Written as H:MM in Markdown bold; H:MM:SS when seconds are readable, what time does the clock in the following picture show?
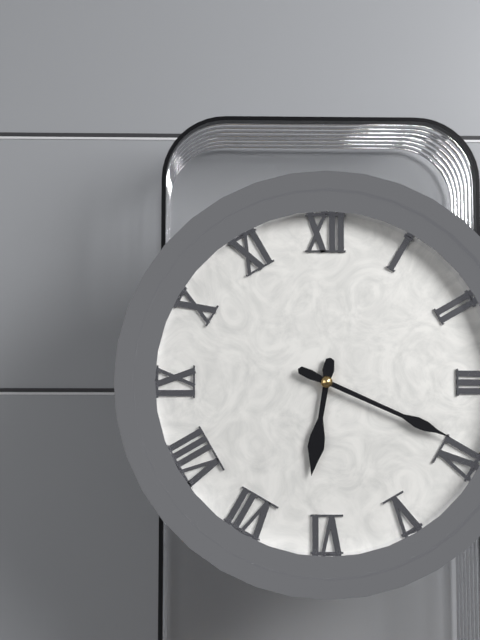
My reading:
**6:19**
